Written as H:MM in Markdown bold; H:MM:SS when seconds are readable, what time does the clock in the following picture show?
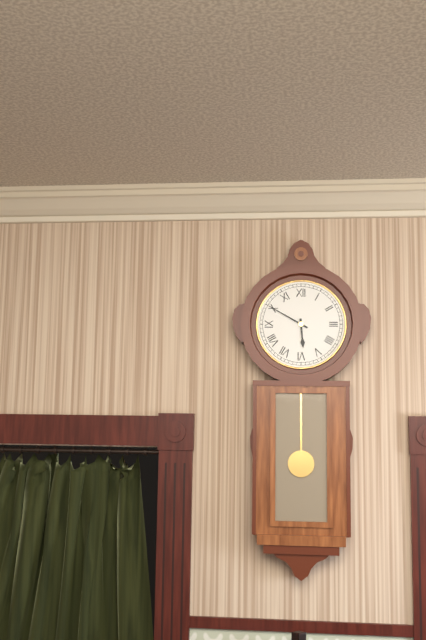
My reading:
**5:50**
